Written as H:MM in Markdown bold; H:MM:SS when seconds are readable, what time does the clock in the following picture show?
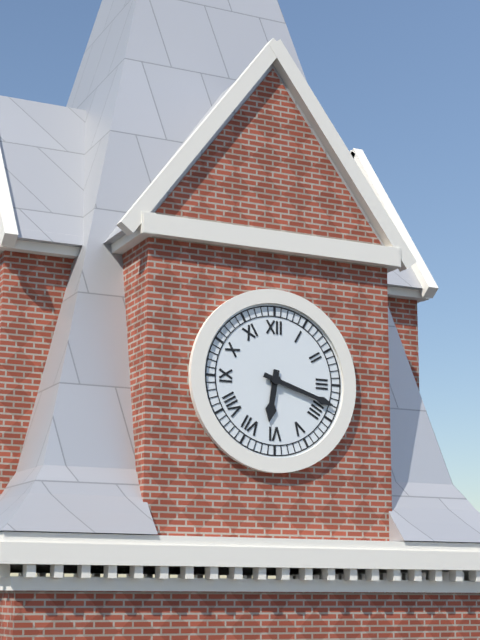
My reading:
**6:18**
